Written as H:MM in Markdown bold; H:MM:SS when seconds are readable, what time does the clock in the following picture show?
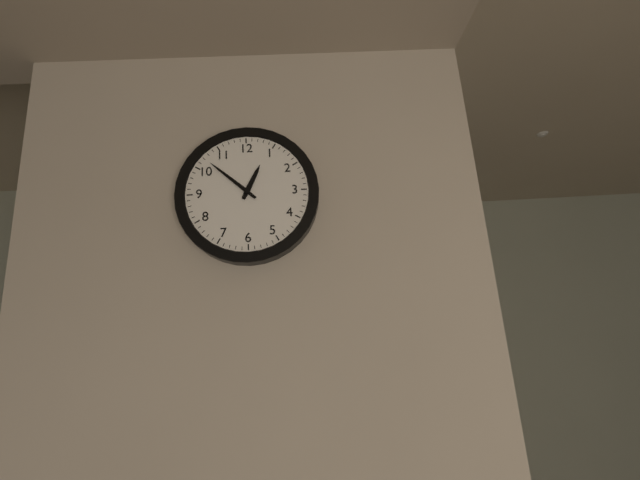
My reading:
**12:52**
